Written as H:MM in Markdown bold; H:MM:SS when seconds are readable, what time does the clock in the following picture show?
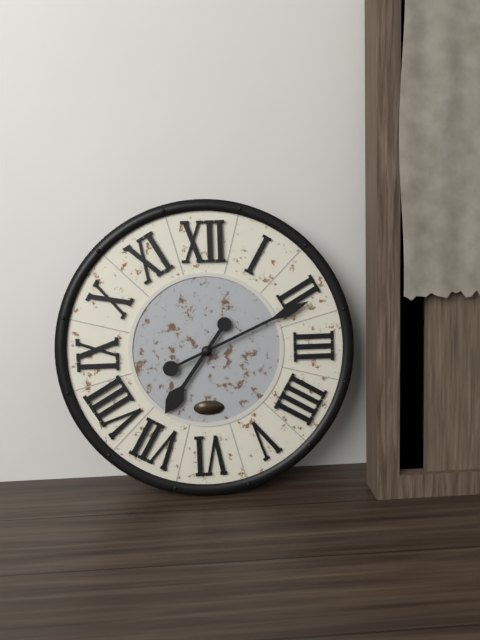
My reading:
**7:11**
